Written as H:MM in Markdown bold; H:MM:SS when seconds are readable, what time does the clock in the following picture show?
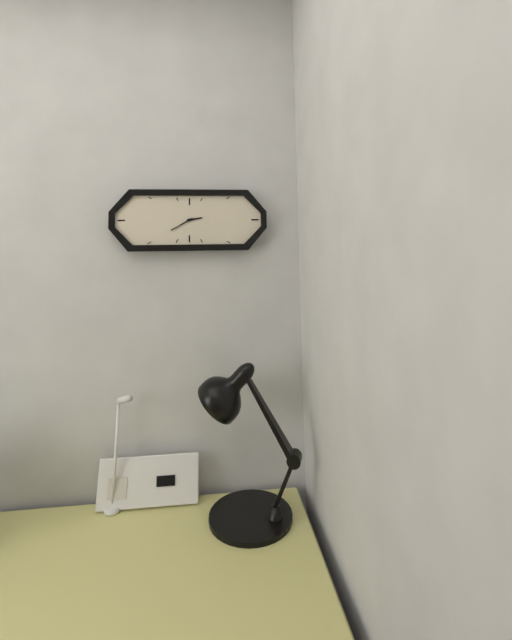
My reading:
**2:40**
